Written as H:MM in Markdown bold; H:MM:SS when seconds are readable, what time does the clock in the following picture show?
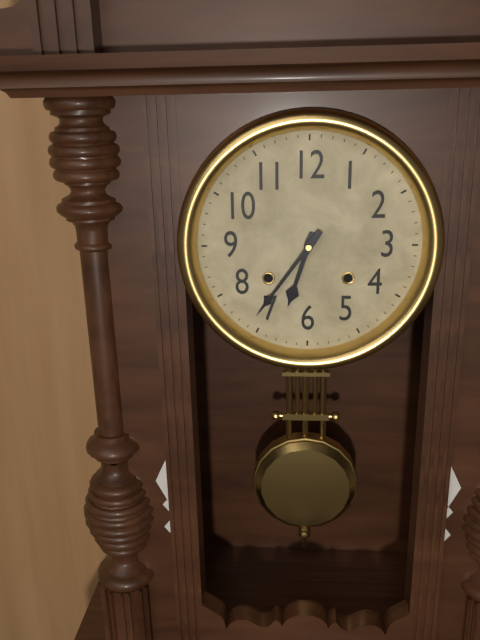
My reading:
**6:36**
